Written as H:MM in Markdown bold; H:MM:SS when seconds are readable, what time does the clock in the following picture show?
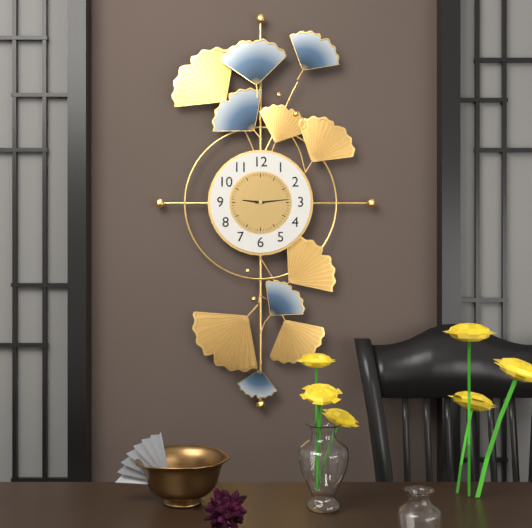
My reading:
**9:14**
